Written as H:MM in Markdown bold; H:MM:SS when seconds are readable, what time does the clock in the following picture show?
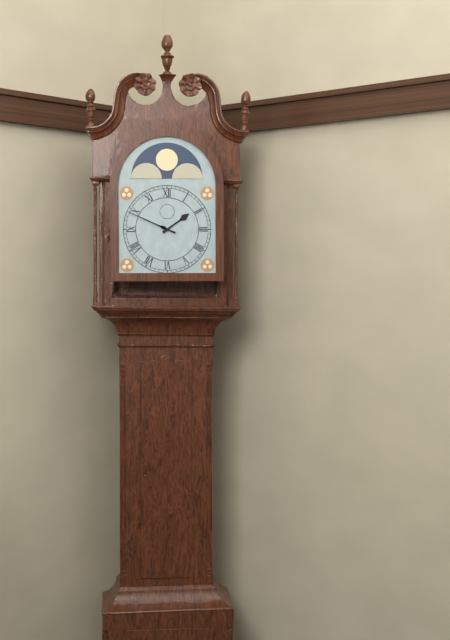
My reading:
**1:49**
